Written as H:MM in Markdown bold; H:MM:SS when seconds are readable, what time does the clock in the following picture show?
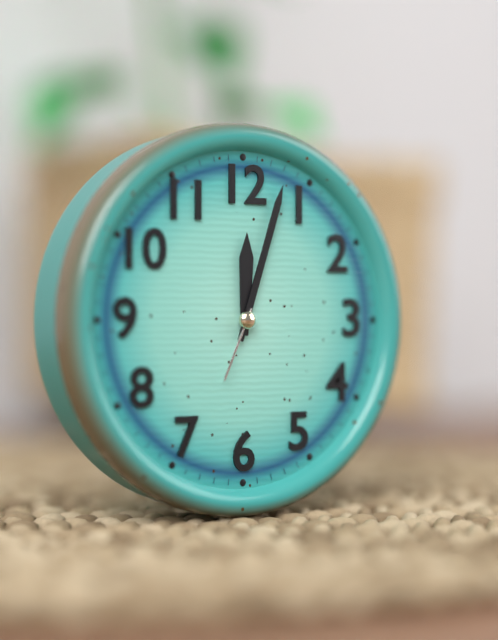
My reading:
**12:03:34**
